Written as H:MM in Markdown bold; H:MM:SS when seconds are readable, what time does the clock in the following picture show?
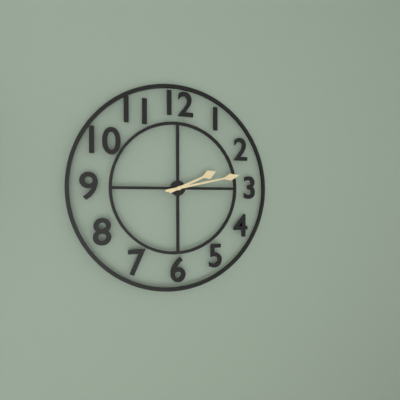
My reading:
**2:13**
